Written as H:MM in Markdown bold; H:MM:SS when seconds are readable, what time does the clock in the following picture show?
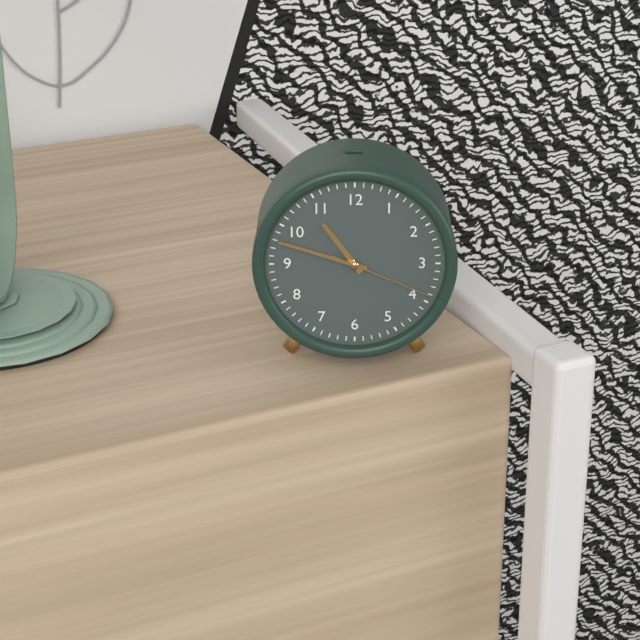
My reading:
**10:48:19**
